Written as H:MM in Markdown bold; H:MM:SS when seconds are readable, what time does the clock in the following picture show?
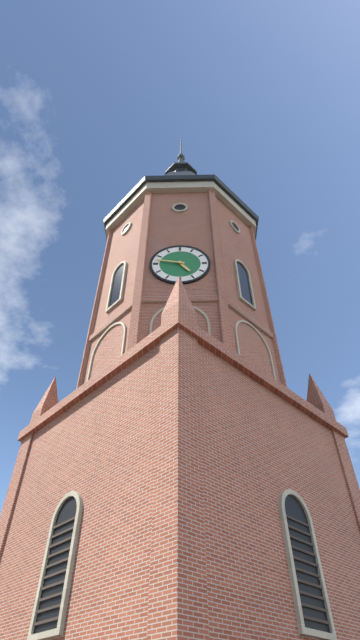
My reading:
**4:47**
